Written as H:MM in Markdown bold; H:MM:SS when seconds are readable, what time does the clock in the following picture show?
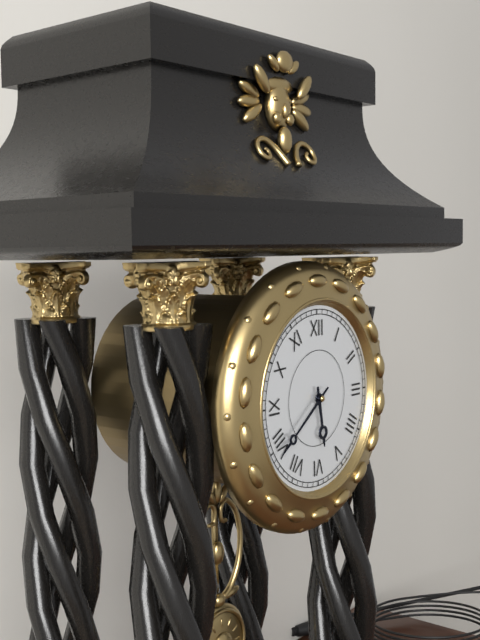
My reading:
**5:39**
